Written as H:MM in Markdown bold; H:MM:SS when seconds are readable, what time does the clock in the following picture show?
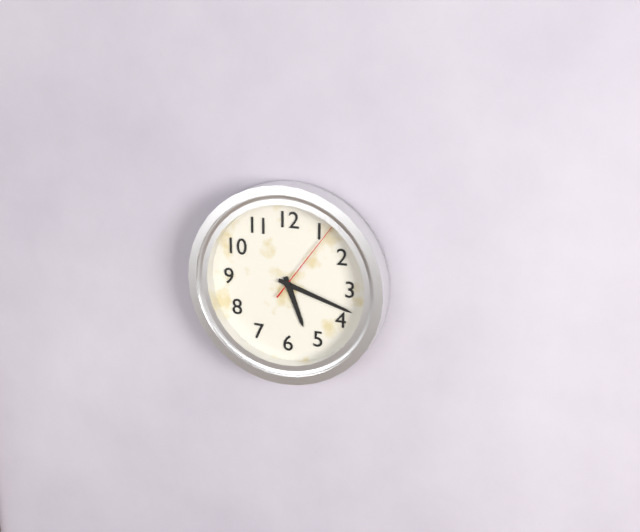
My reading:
**5:18:06**
